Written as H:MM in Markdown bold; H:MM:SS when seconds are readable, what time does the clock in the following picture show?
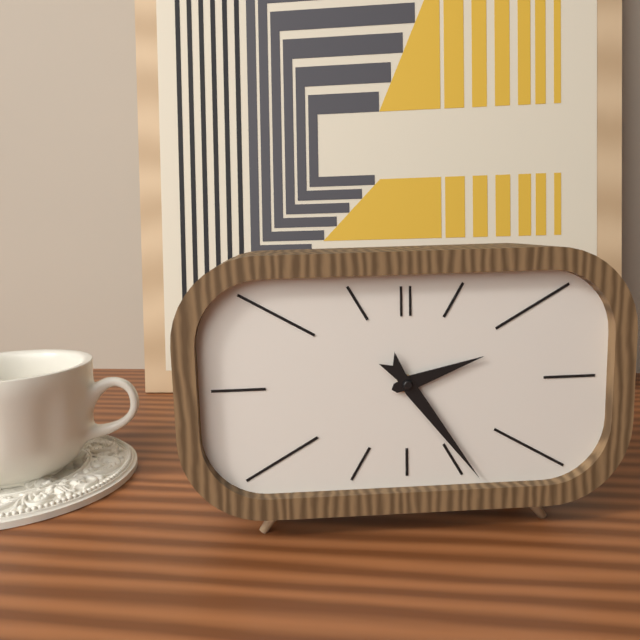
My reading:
**2:24**
